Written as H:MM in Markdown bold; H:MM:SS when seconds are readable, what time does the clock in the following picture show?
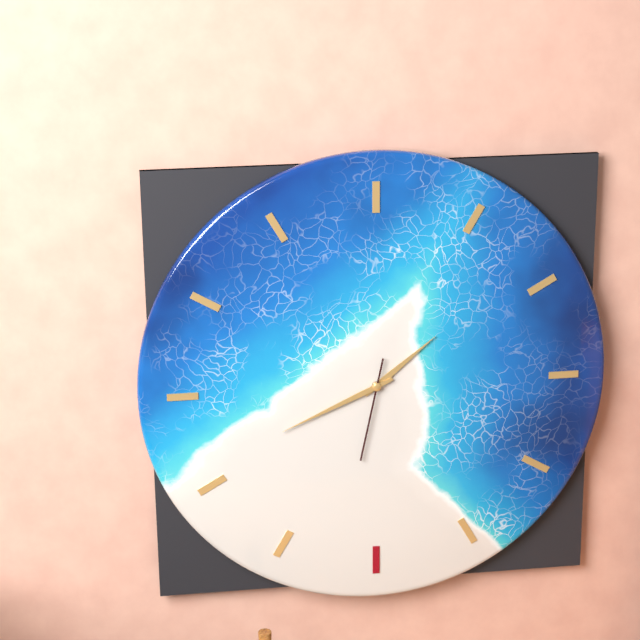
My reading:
**1:41:32**
